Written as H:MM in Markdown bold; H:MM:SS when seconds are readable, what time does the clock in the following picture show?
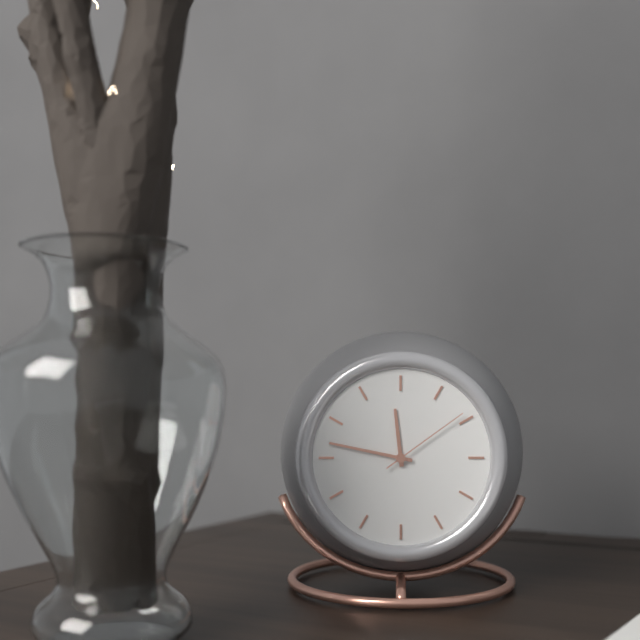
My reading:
**11:47:09**
